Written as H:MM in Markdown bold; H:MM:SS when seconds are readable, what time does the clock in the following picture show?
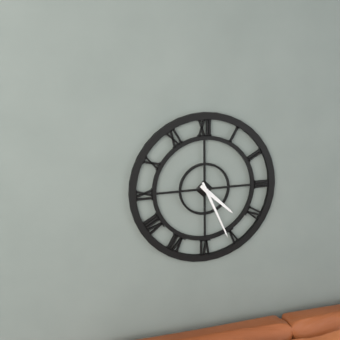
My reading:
**4:26**
